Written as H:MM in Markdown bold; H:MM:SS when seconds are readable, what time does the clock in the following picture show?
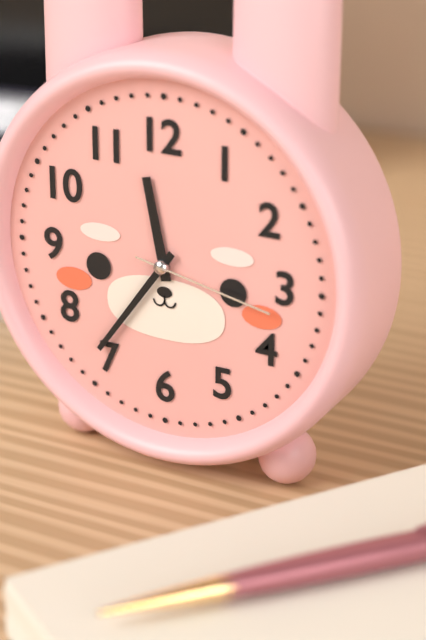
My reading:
**11:36:17**
